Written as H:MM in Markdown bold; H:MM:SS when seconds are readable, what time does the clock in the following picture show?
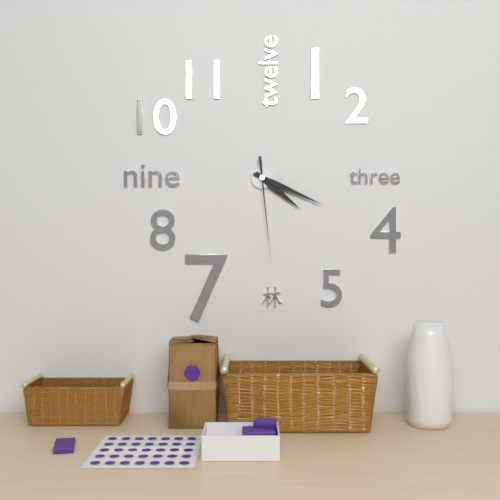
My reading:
**4:19:29**
